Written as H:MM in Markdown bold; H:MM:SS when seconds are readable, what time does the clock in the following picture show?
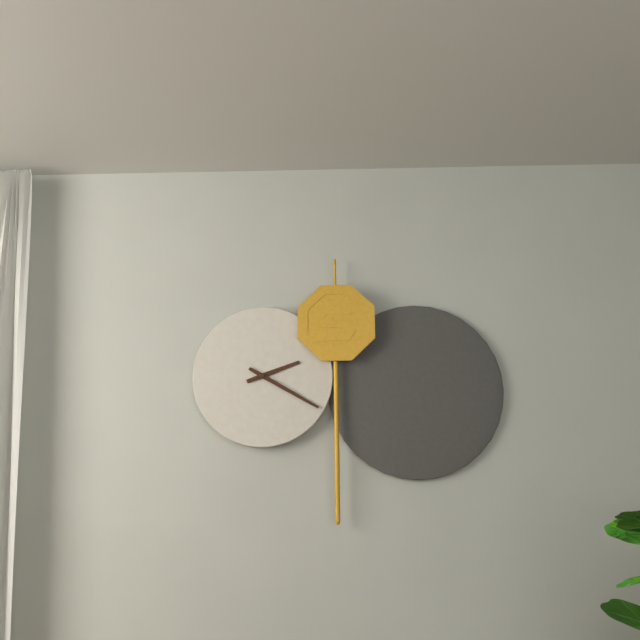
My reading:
**2:20**
